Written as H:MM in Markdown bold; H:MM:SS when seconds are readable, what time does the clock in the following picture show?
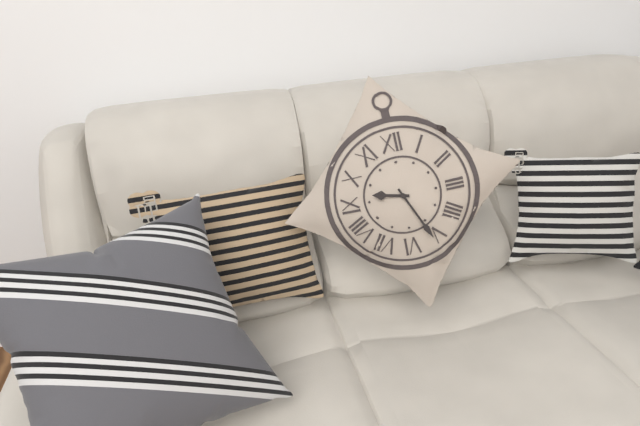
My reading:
**9:26**
